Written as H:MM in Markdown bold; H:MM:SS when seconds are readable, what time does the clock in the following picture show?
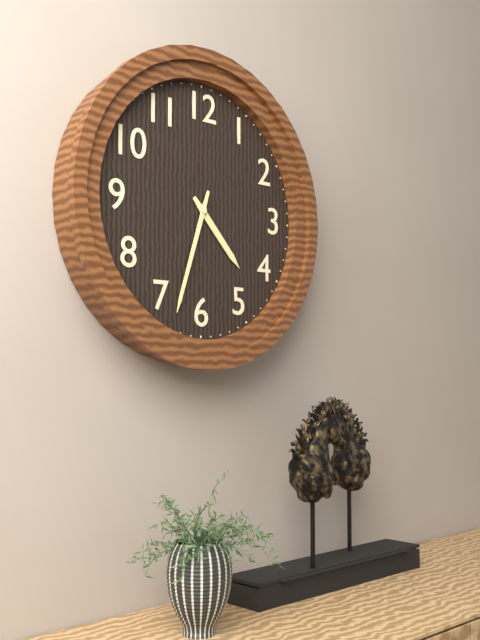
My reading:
**4:33**
